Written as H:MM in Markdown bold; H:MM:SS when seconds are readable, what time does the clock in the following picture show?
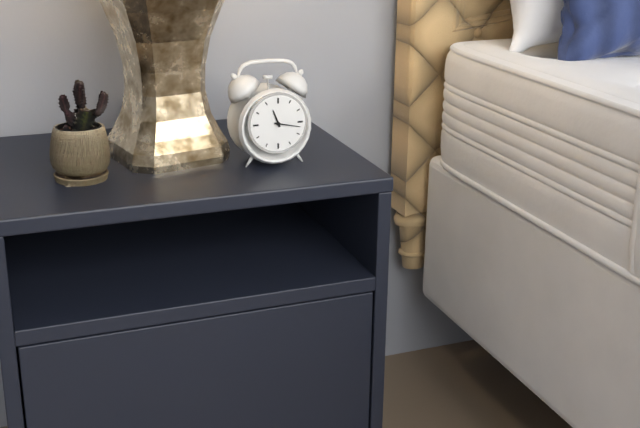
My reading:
**11:17**
